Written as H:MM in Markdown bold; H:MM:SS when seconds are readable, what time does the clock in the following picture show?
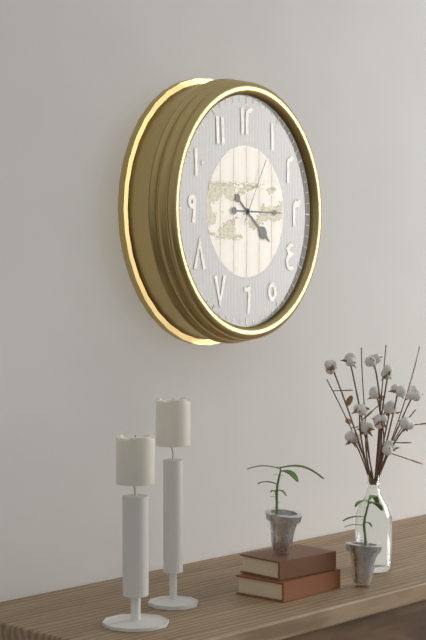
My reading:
**4:15:05**
